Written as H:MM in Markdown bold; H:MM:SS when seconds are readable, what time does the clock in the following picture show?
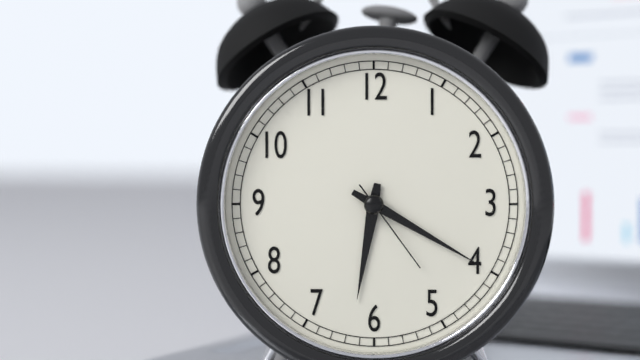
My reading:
**6:20:24**
